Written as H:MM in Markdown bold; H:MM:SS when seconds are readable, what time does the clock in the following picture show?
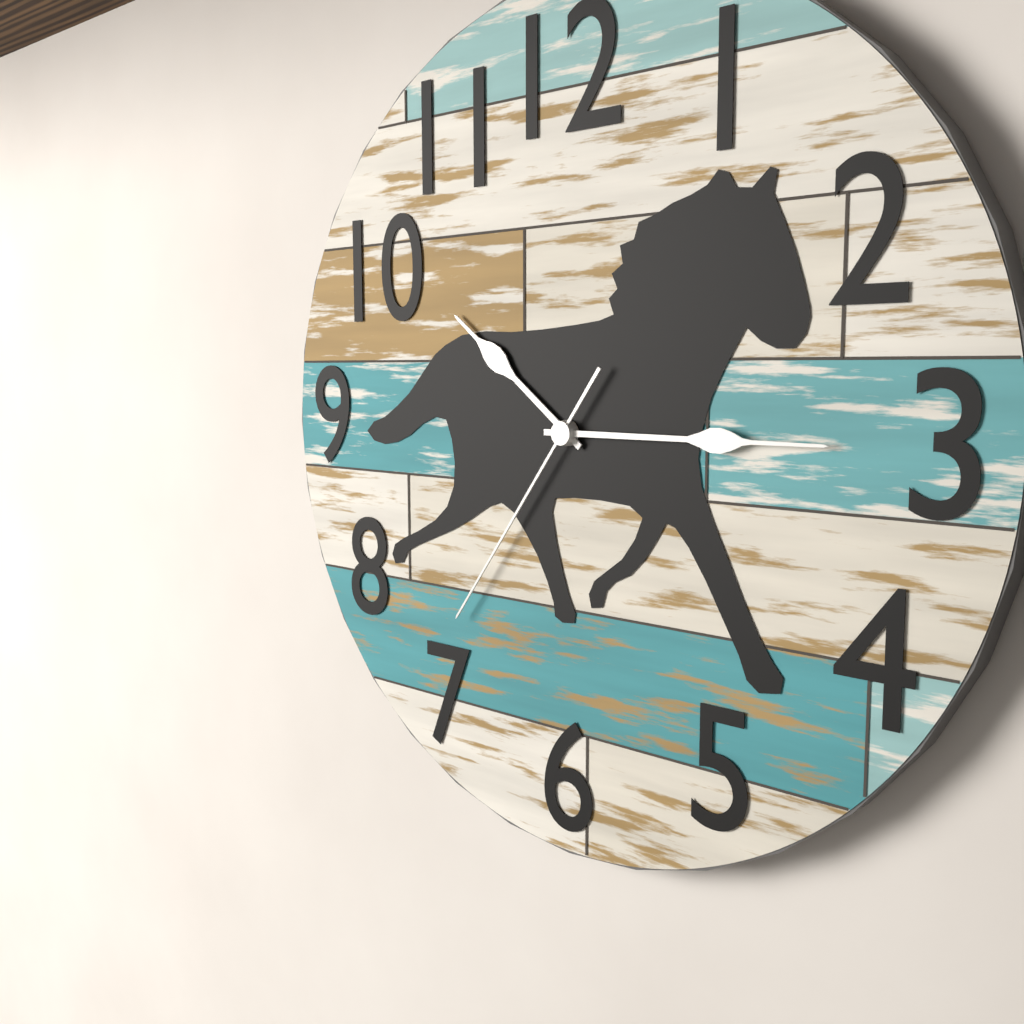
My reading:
**10:15:36**
